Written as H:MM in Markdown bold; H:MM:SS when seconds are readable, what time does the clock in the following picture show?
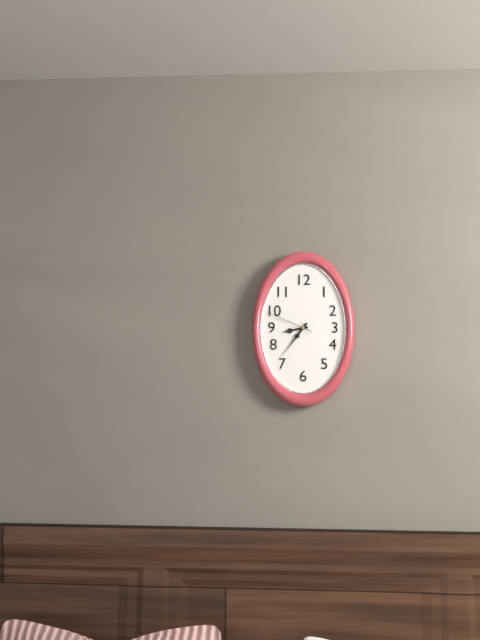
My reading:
**8:36**
